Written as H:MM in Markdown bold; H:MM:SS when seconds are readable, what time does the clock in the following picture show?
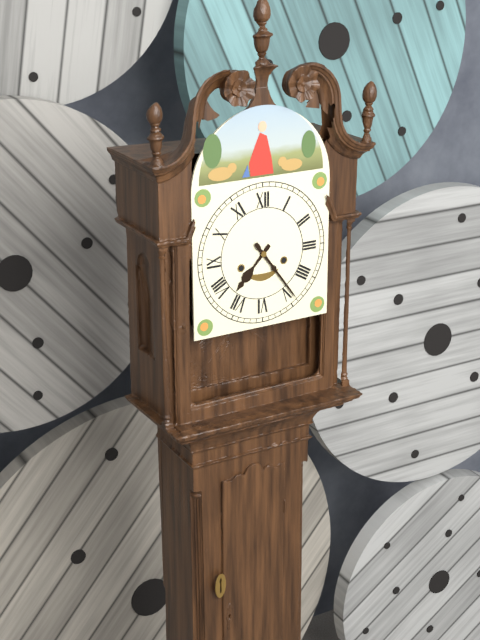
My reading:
**7:24**
